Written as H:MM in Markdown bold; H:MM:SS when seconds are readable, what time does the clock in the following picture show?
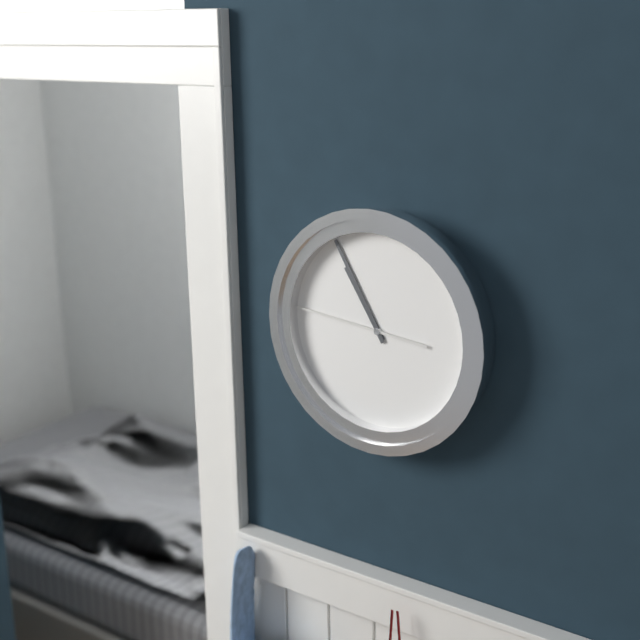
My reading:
**10:55:46**
